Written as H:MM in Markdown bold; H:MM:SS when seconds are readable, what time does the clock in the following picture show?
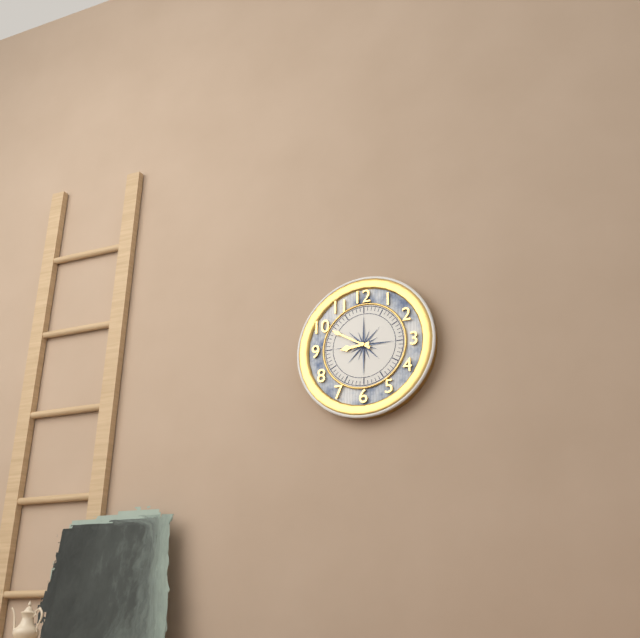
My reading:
**8:50**
